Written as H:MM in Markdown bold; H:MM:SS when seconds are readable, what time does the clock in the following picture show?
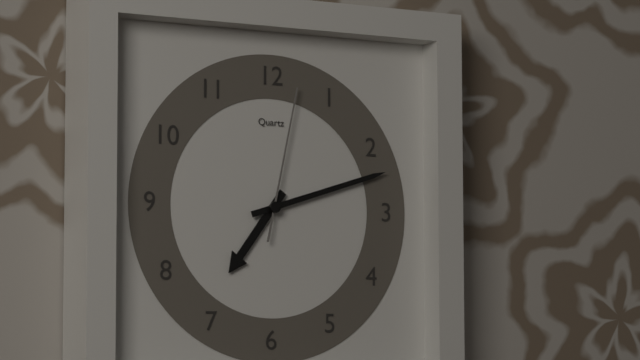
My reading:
**7:12:02**
